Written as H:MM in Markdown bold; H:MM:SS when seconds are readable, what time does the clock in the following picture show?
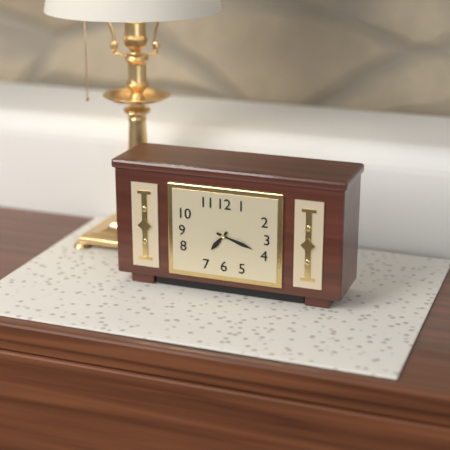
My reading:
**7:18**
